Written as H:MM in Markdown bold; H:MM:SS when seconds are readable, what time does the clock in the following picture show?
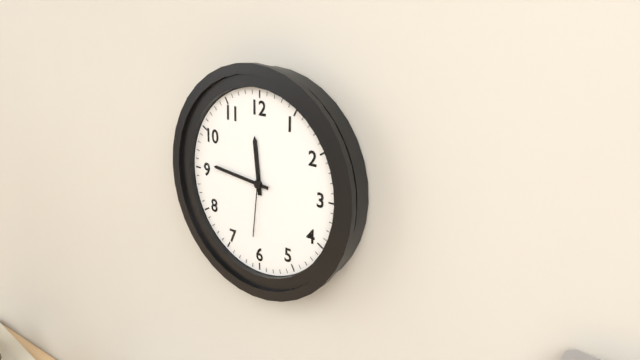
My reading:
**11:46:31**
